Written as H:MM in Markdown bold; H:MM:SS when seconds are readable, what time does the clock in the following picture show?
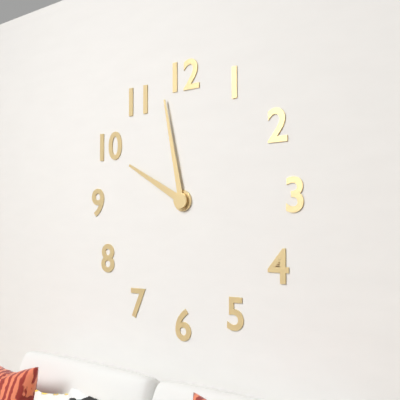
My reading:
**9:58**
